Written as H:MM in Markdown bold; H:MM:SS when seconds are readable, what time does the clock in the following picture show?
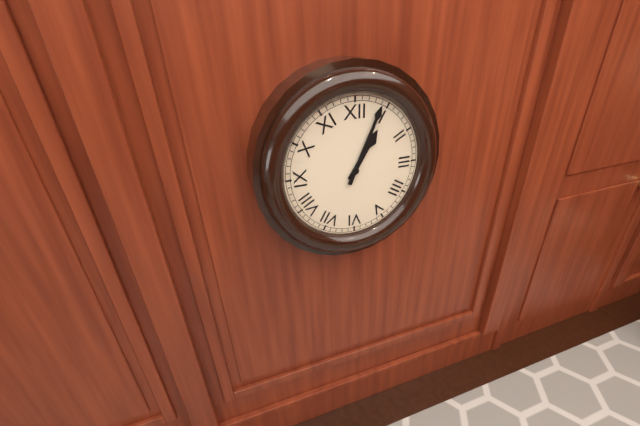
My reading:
**1:04**
